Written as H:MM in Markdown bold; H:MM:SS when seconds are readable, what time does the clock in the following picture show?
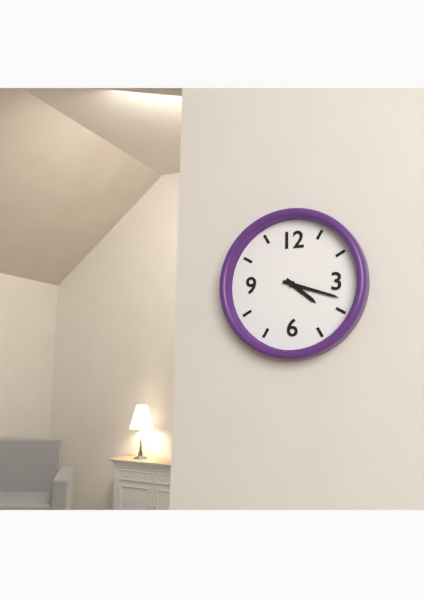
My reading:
**4:18**
